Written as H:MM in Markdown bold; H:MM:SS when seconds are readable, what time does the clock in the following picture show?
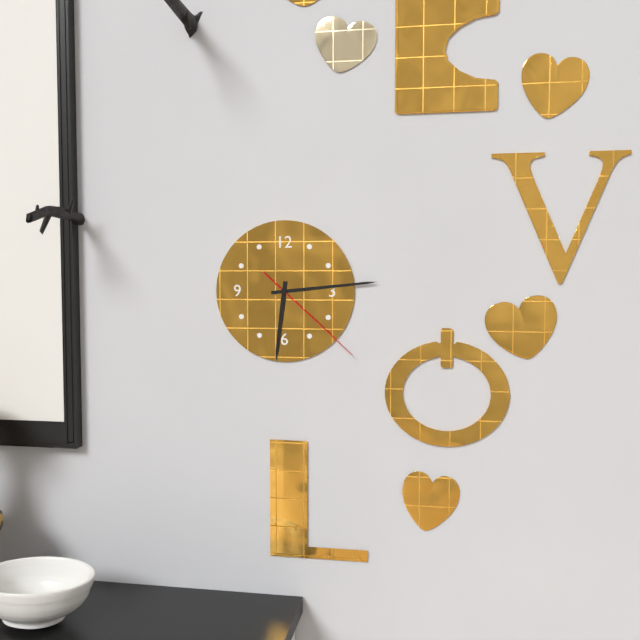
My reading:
**6:14:22**
